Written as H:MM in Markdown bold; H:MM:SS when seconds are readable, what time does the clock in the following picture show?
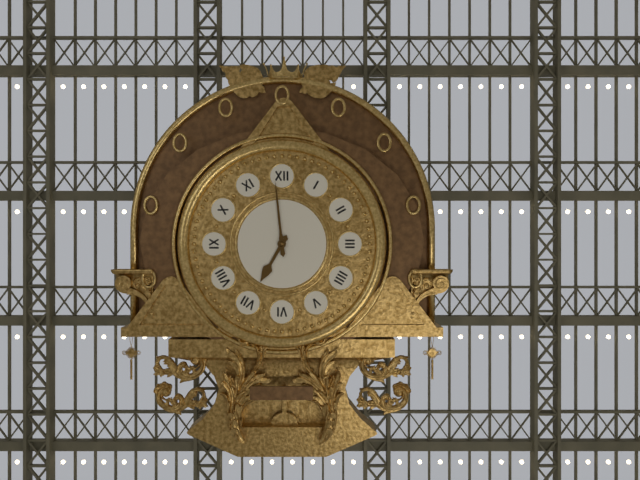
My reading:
**6:59**
